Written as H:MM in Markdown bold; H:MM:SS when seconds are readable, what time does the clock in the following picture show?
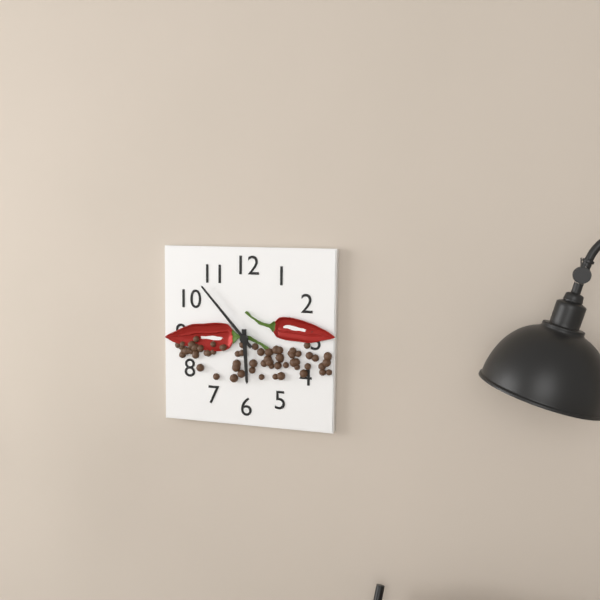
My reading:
**5:53**
